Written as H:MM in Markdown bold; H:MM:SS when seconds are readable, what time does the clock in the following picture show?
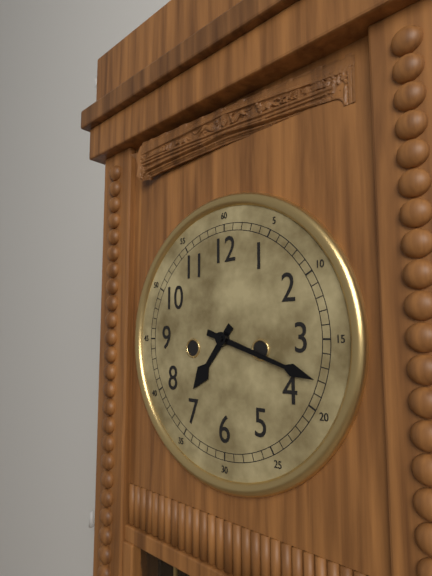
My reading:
**7:18**
